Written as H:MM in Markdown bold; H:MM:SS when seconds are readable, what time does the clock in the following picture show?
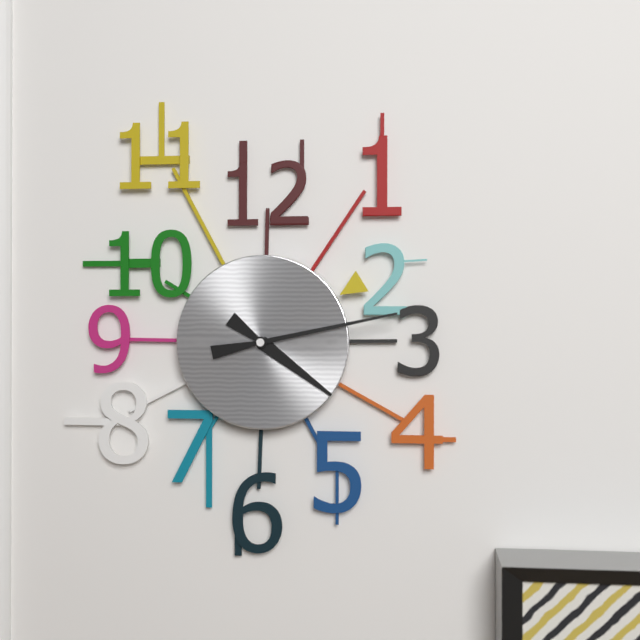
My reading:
**4:13**
